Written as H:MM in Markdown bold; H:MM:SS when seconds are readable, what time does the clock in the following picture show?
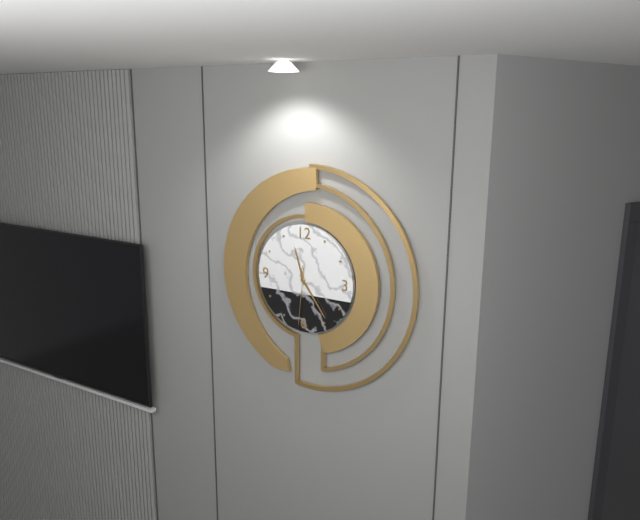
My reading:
**11:24:31**
